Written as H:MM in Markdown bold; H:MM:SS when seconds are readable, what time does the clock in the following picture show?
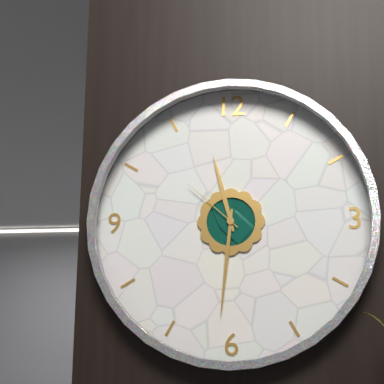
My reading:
**11:31:52**
